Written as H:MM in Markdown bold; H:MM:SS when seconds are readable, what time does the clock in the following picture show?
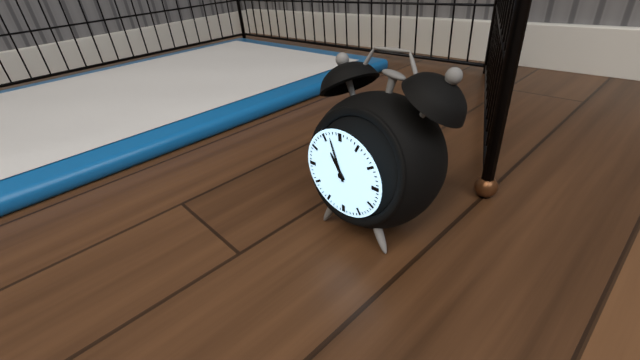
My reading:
**10:57**
